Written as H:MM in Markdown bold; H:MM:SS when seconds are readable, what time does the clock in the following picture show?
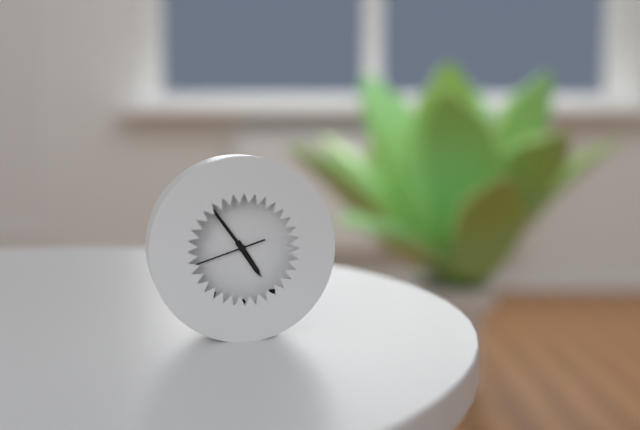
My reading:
**4:54:42**
